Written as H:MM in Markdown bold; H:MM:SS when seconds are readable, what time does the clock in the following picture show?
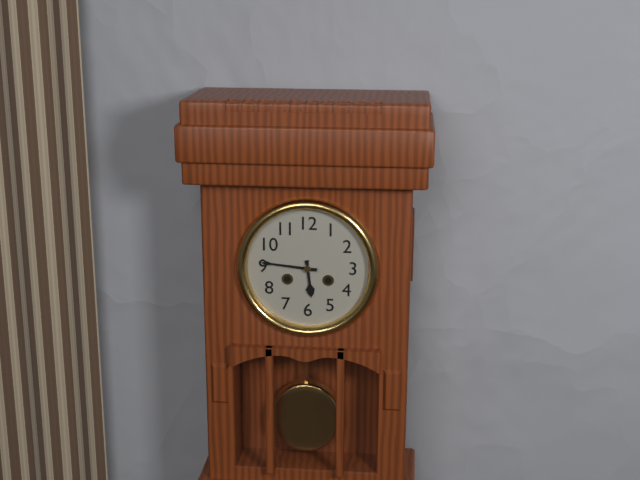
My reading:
**5:46**
